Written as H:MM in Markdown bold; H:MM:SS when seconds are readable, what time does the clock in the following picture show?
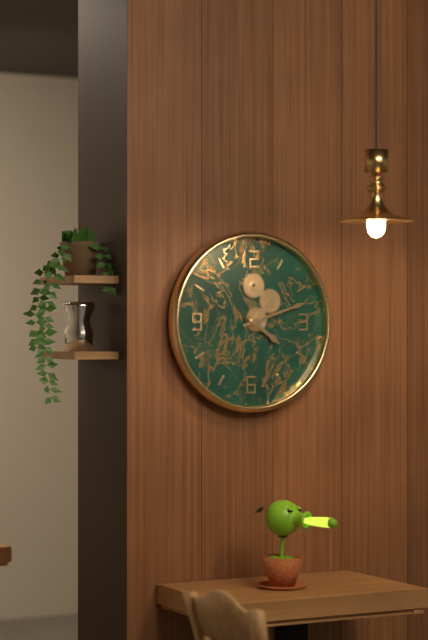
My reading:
**4:12**
